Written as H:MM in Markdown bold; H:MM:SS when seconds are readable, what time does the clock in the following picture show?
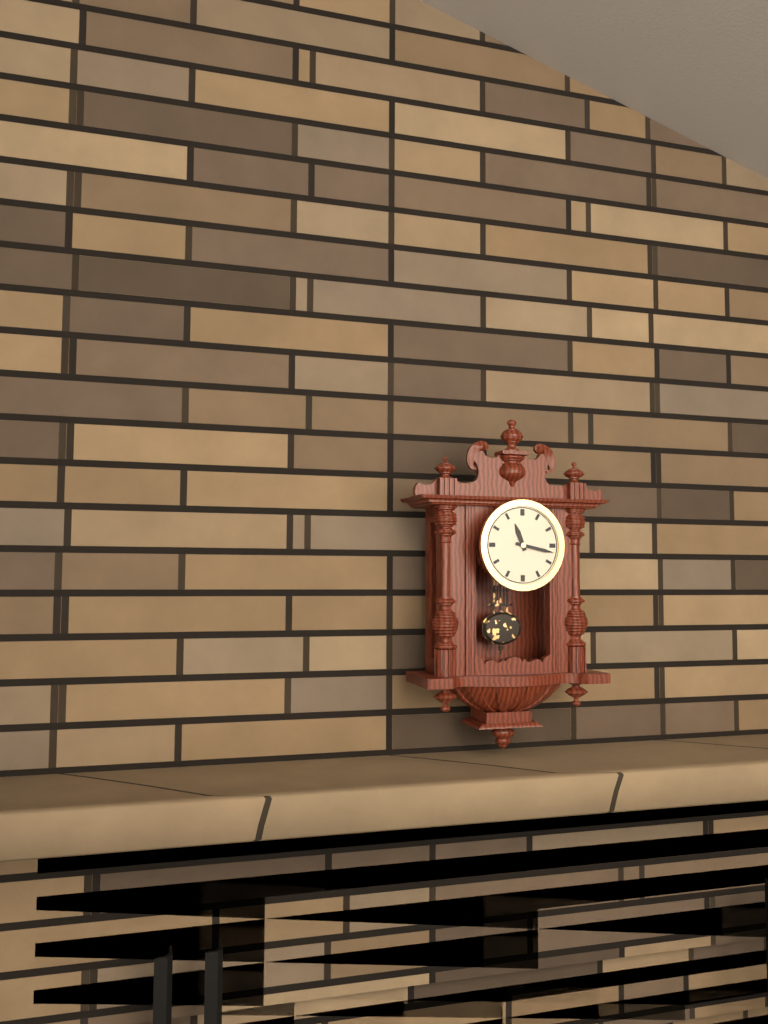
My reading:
**11:17**
